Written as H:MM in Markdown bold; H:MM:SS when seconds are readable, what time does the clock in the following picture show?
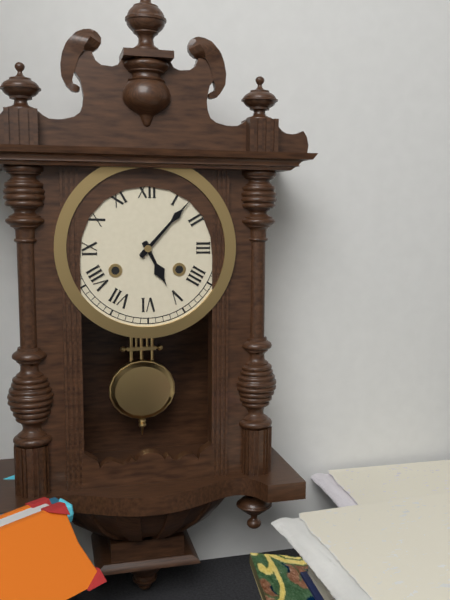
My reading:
**5:07**
